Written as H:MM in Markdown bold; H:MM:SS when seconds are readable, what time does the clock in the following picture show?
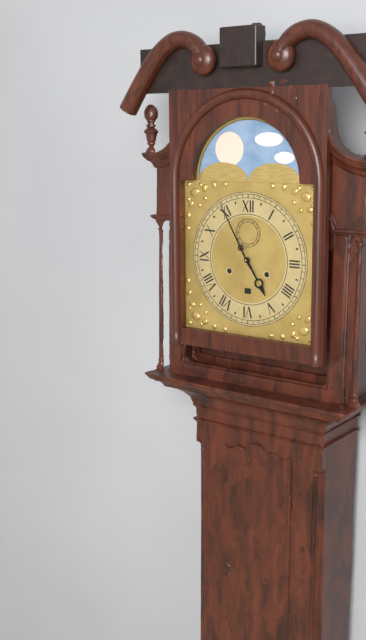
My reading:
**4:55**
